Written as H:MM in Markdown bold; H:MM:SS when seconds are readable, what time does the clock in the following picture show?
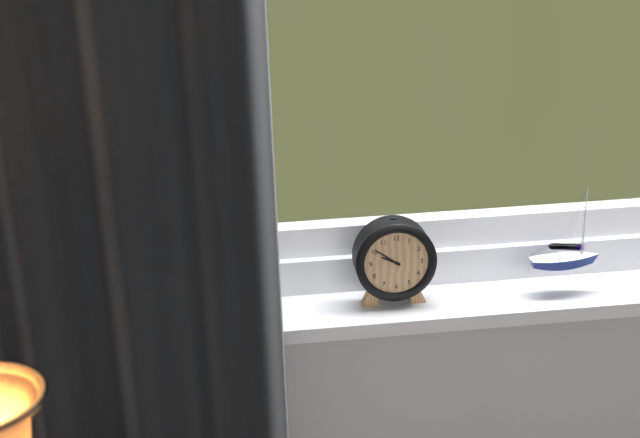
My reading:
**9:51**
